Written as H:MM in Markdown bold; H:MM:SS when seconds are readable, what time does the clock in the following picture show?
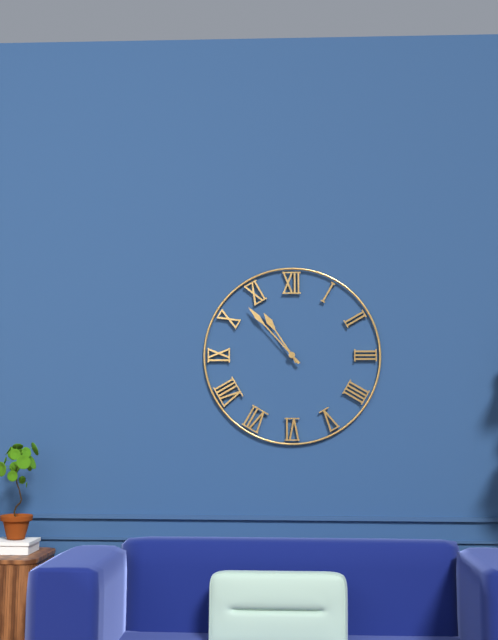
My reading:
**10:53**
